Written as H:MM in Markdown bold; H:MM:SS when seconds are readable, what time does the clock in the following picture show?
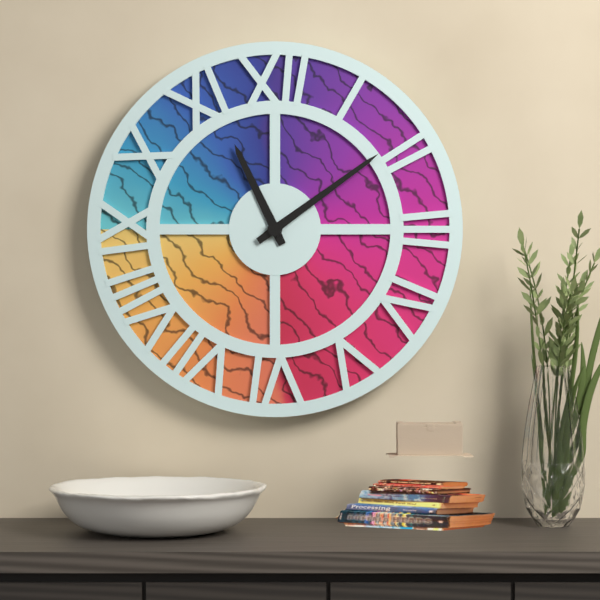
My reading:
**11:09**
